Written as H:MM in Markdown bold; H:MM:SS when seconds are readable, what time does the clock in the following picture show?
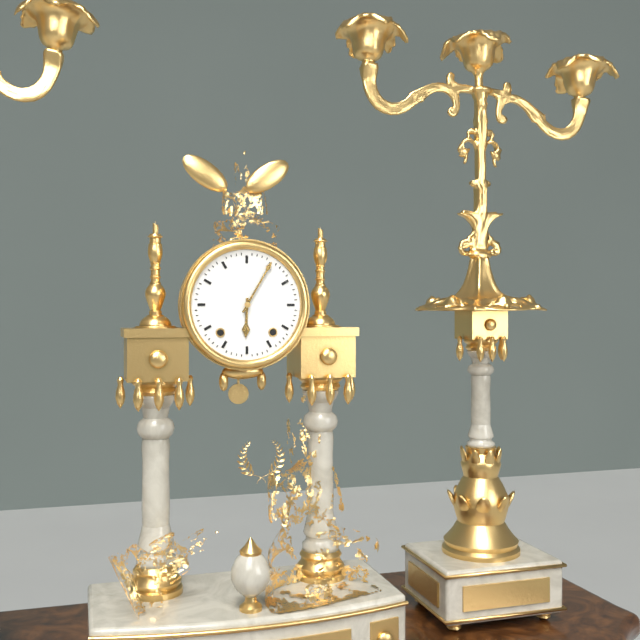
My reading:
**6:05**
